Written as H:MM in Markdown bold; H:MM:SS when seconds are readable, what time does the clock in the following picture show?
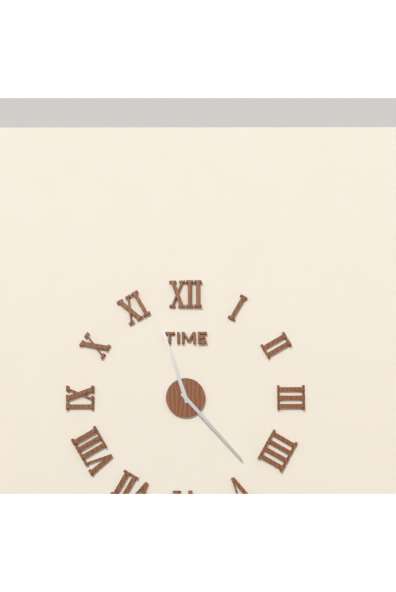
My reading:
**11:23**
